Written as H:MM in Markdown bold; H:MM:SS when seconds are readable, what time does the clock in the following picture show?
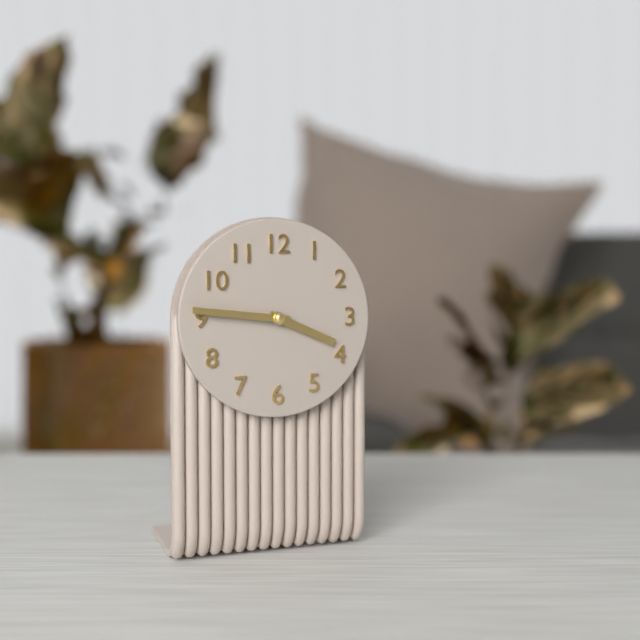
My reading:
**3:46**
